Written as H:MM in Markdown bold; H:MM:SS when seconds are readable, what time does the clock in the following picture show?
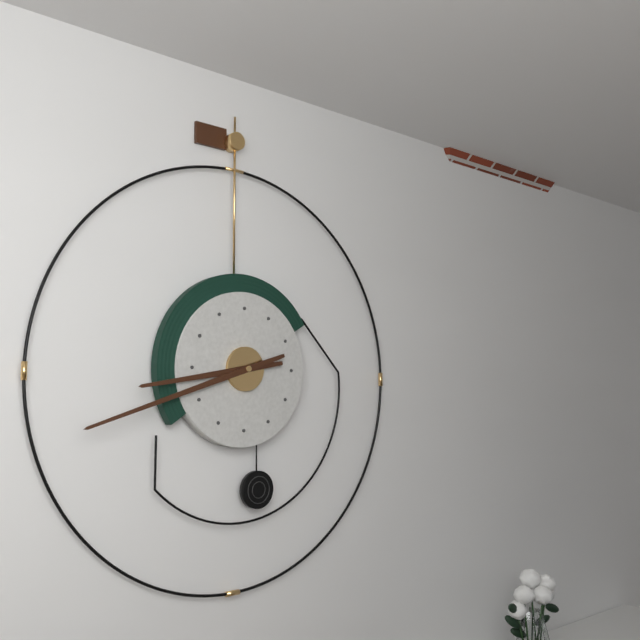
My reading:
**8:42**
